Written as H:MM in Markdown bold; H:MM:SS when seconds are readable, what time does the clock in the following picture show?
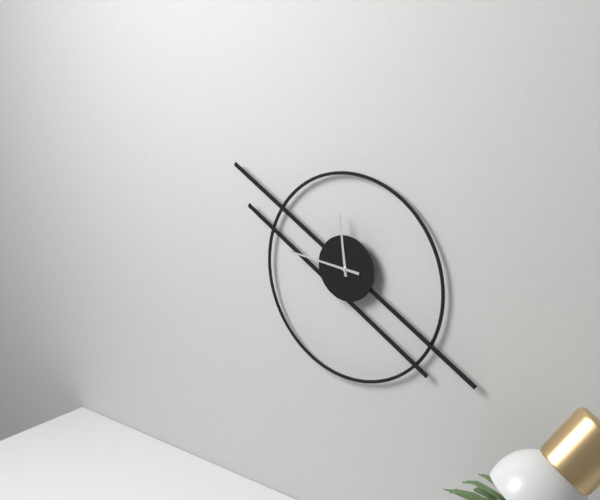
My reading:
**11:46**
